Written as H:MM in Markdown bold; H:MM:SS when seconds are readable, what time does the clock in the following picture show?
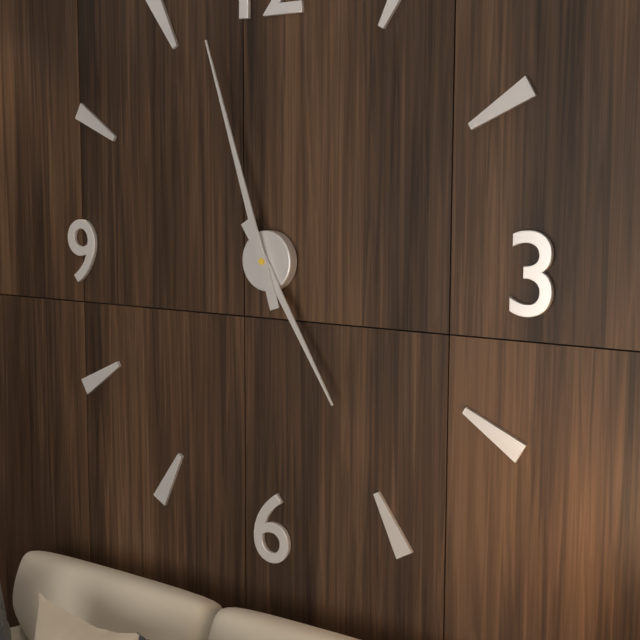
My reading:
**4:57**
